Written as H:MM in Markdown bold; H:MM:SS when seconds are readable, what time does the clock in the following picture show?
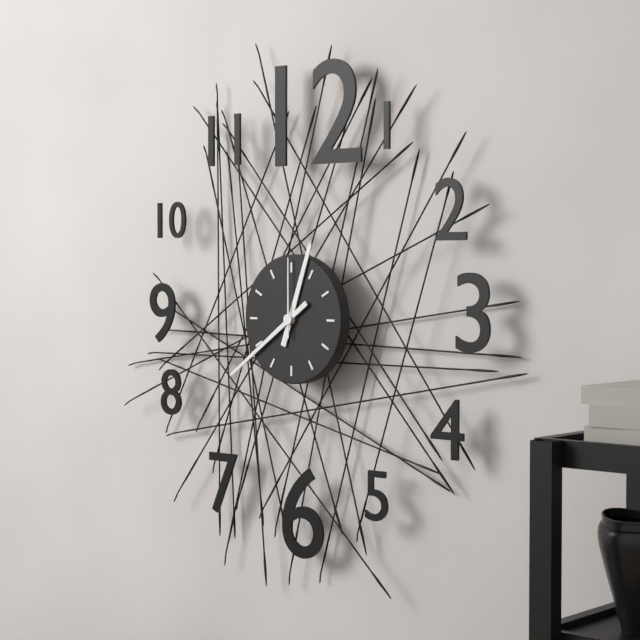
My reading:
**12:39:00**
